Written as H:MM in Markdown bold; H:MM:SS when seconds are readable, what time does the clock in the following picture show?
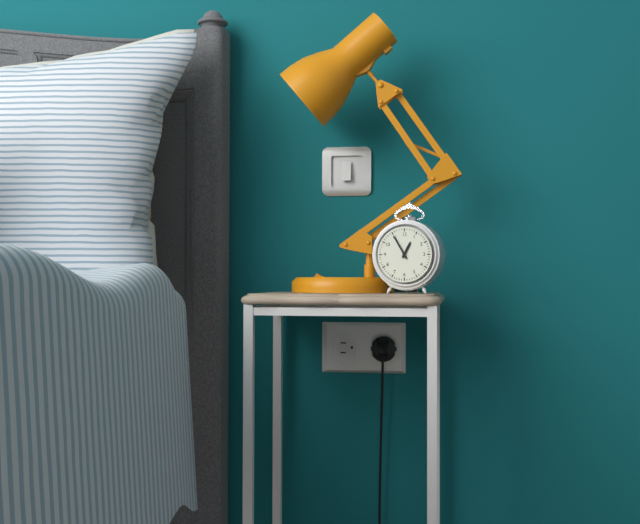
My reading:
**12:55**
